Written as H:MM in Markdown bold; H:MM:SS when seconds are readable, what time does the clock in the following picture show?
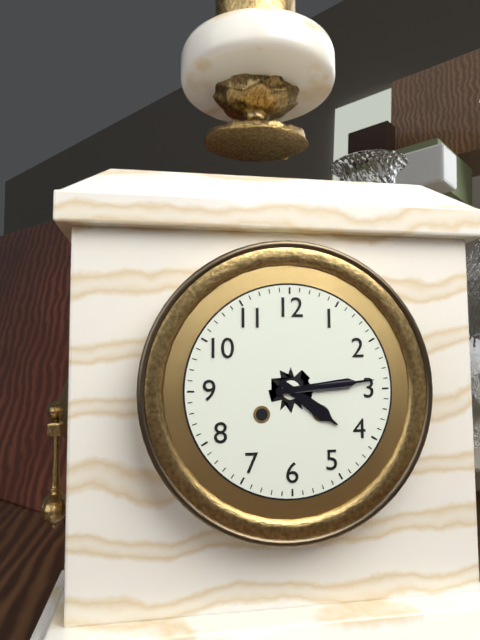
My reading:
**4:14**
